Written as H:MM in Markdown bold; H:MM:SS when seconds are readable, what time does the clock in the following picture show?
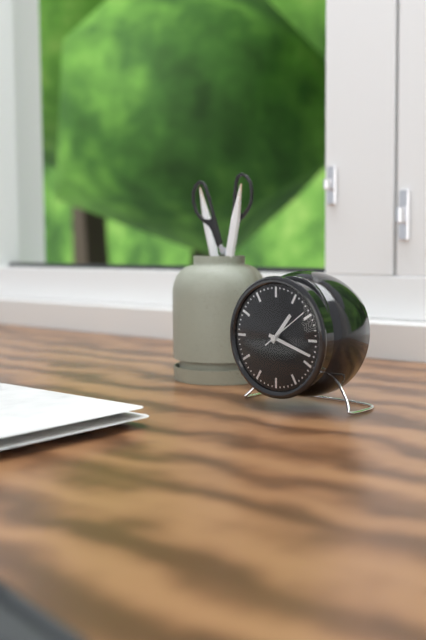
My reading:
**1:18**
